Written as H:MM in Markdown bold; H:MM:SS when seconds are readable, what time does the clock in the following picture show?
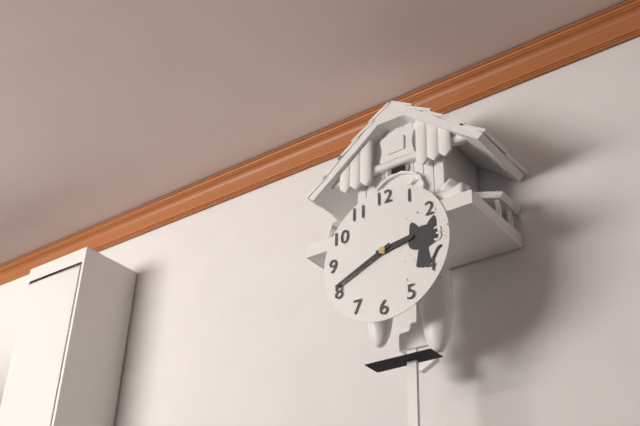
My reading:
**2:41**
